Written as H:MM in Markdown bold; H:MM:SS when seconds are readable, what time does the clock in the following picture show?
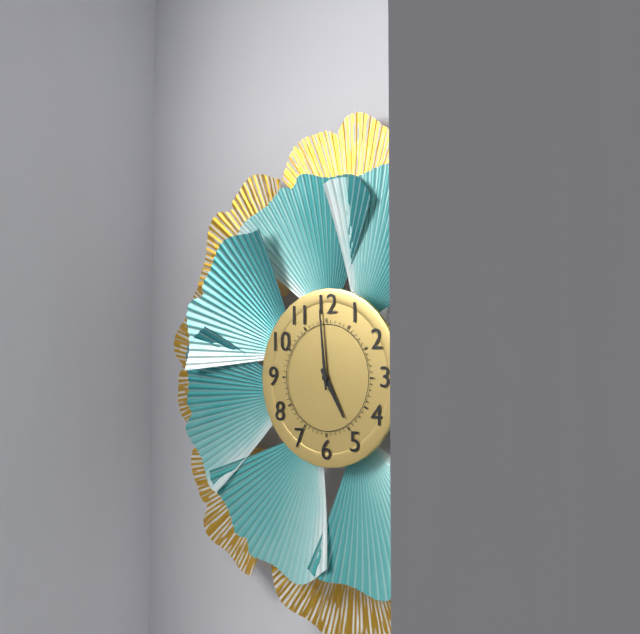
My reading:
**4:59**
